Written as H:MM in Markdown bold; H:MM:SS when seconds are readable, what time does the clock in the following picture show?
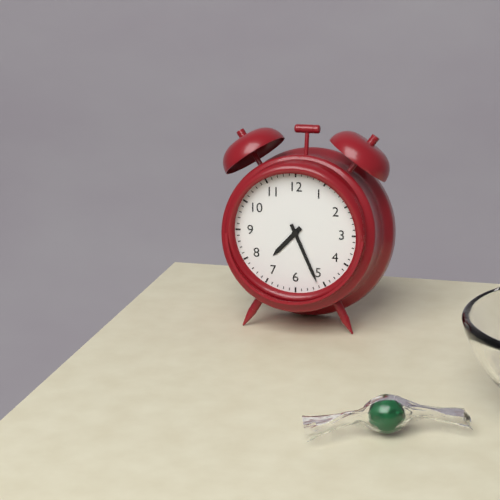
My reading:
**7:26**
